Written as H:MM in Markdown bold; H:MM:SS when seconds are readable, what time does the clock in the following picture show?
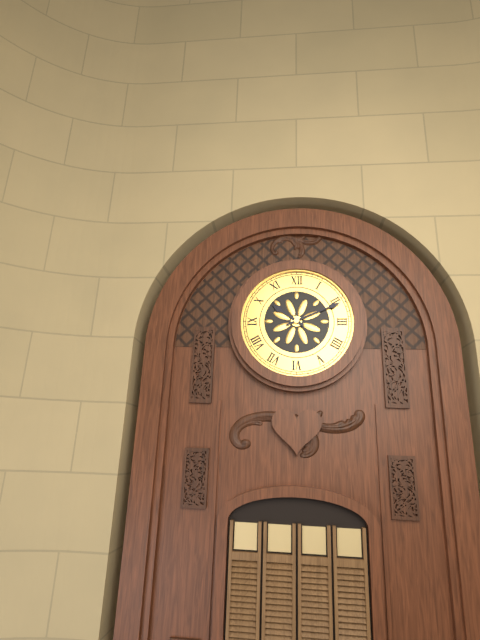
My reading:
**10:11**
